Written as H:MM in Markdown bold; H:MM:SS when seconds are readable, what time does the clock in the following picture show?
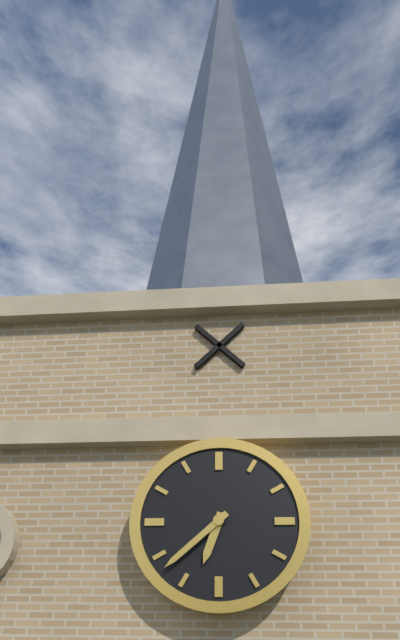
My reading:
**6:38**
